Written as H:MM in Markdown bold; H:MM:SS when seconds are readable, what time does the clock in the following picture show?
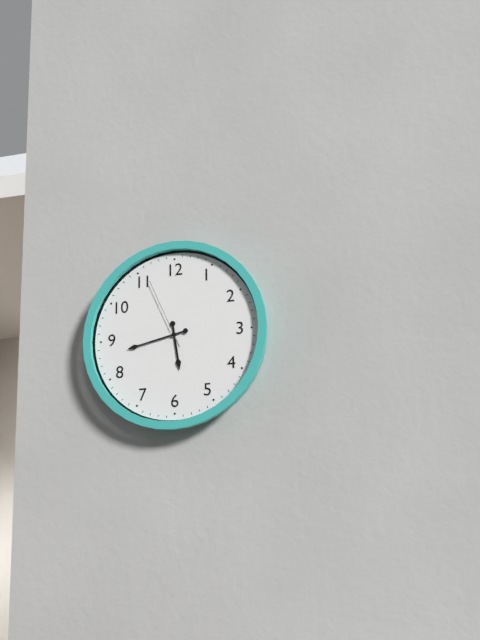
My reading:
**5:43:56**
